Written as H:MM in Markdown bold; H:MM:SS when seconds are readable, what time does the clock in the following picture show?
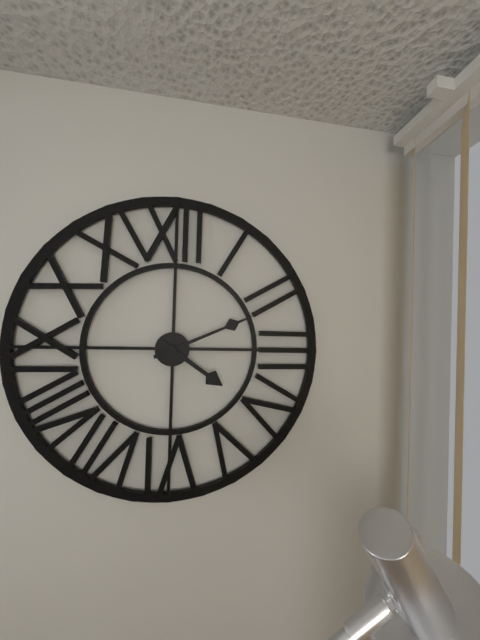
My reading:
**4:11**
